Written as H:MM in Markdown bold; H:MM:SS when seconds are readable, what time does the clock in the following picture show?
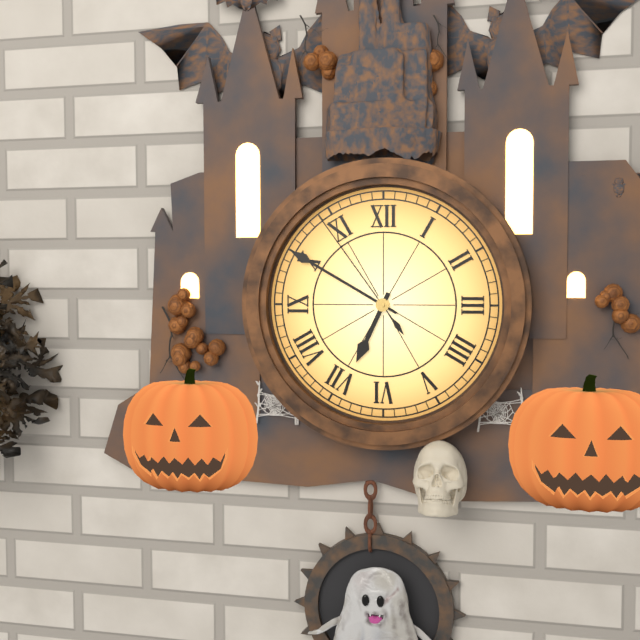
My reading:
**6:50:54**
